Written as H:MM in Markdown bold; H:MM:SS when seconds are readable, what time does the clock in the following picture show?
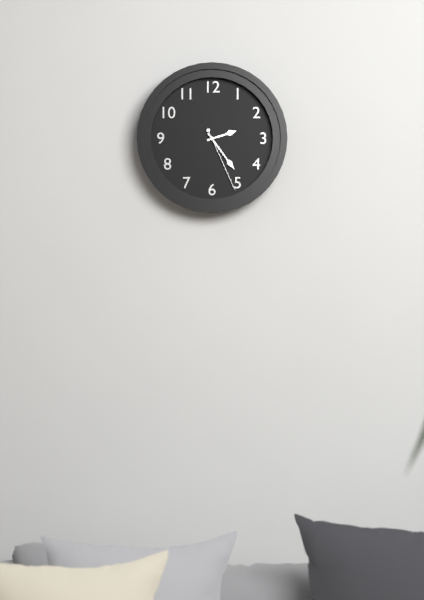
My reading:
**2:24:26**
